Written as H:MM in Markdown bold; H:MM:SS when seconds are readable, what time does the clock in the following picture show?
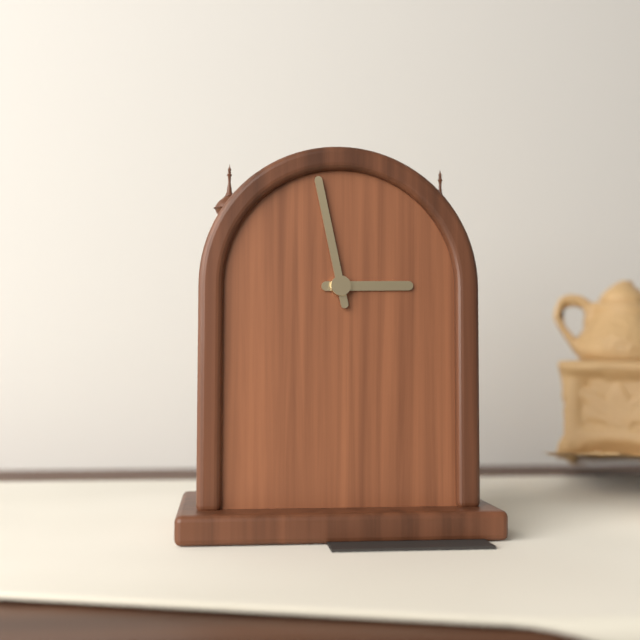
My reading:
**2:58**
